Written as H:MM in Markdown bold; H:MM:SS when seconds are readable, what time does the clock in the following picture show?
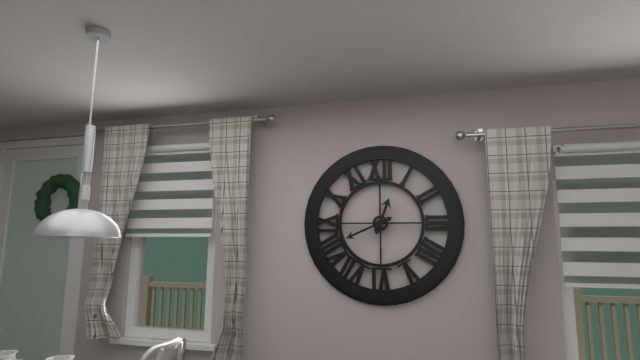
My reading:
**12:41**
